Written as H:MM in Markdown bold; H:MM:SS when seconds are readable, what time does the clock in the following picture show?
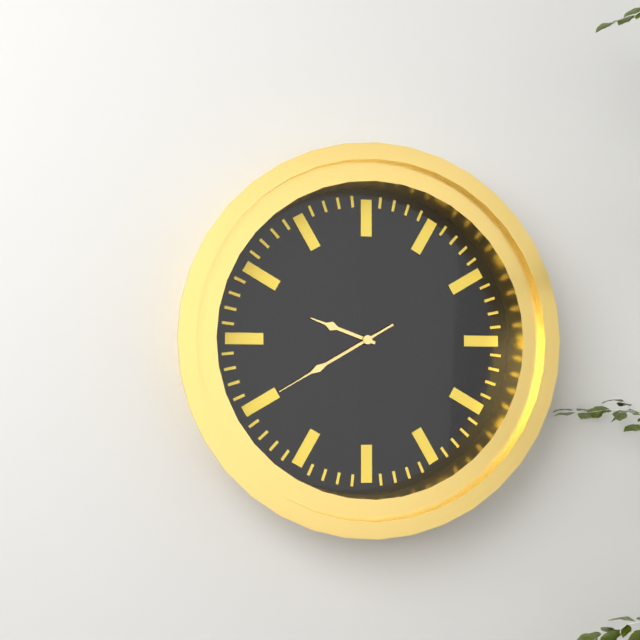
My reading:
**9:40:40**
